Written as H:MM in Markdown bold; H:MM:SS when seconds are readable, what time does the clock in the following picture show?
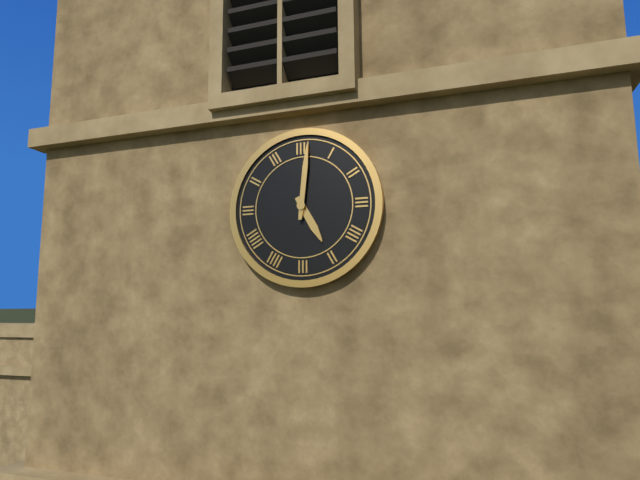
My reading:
**5:01**
